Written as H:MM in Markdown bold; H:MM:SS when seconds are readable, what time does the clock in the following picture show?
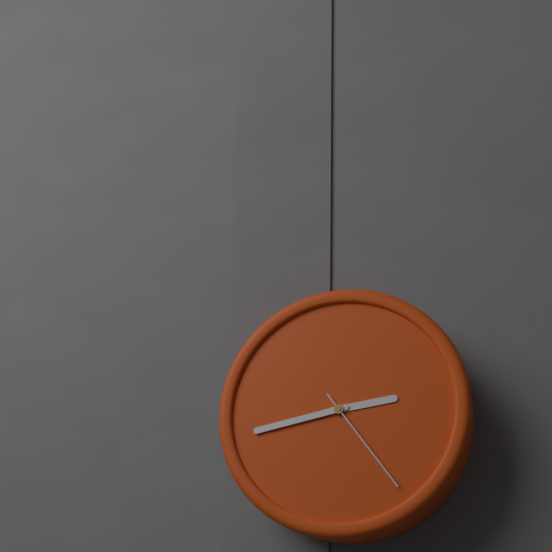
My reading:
**2:43:24**
